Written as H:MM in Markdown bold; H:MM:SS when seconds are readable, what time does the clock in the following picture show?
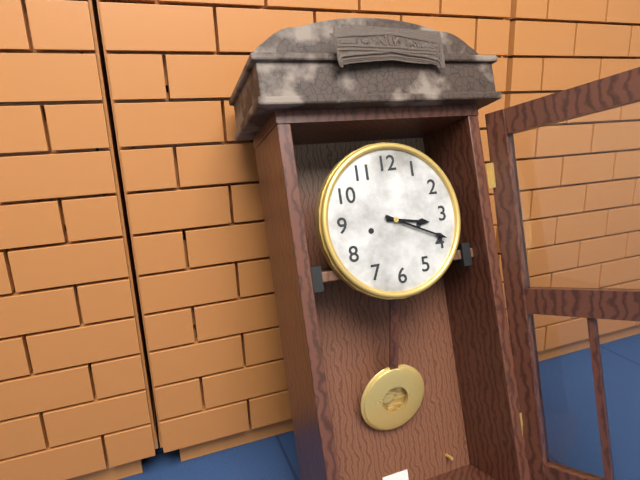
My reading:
**3:19**
